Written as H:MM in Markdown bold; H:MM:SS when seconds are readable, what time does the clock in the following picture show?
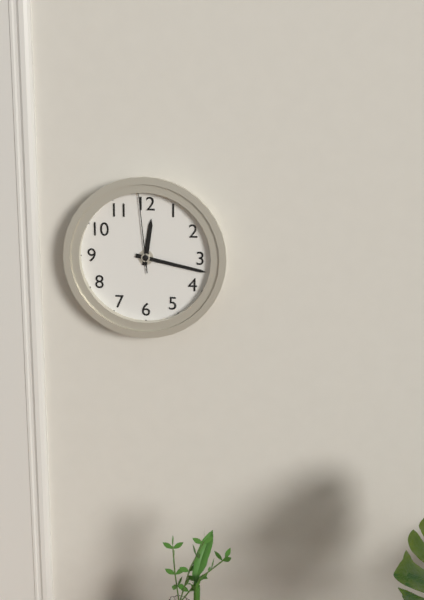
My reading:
**12:17:59**
